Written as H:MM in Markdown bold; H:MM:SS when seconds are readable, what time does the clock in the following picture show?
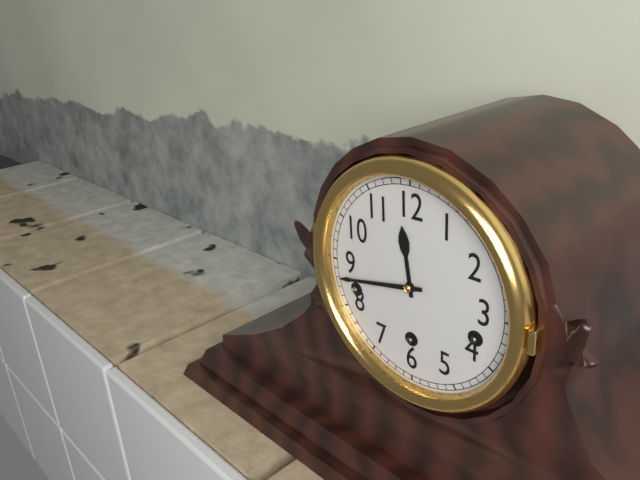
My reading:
**11:43**
